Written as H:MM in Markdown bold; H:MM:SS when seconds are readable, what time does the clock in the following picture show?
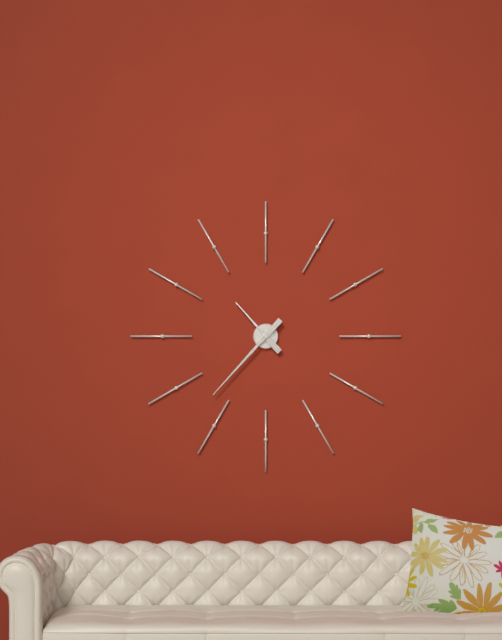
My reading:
**10:37**
